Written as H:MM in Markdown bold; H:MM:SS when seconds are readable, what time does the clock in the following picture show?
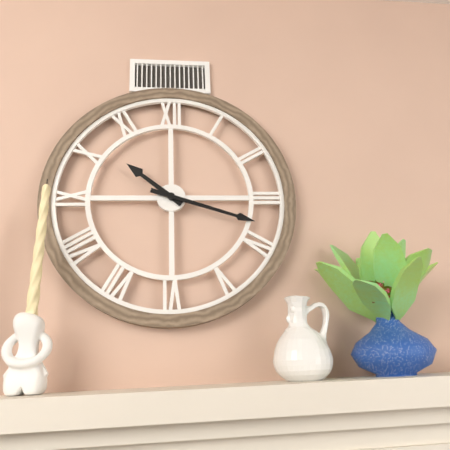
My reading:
**10:18**
